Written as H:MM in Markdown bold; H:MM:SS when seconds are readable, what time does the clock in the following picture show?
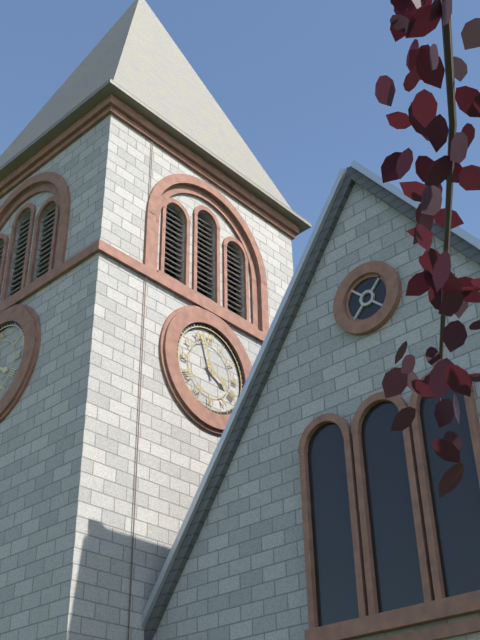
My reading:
**3:57**
